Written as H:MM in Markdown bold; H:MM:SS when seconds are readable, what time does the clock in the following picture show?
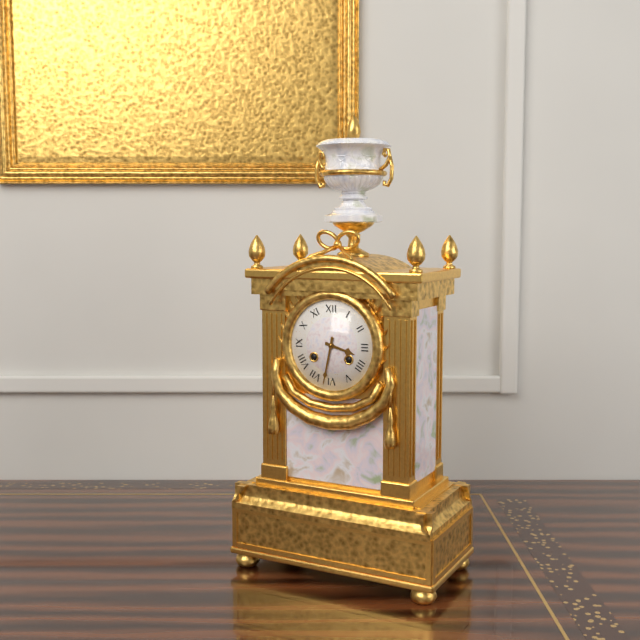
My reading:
**3:32**
